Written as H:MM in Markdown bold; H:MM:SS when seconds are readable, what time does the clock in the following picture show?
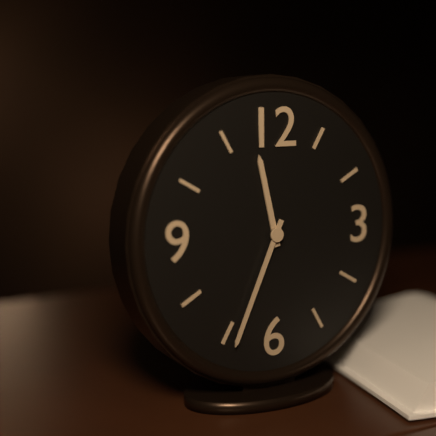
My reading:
**11:34**
